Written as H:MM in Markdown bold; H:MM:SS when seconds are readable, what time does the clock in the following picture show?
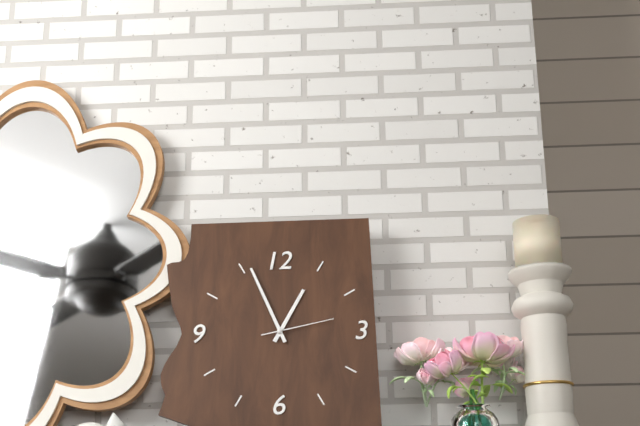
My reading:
**12:56:13**
